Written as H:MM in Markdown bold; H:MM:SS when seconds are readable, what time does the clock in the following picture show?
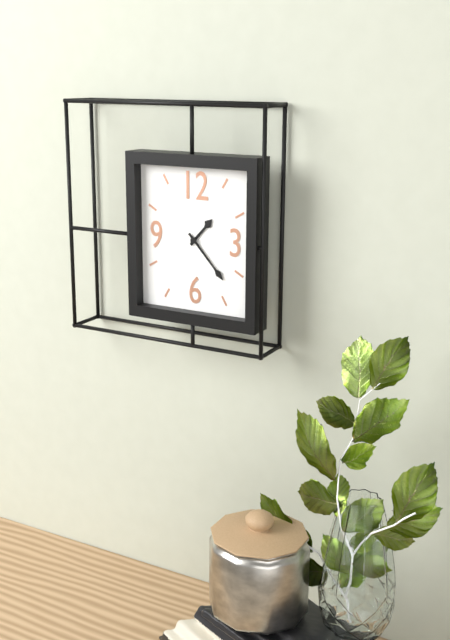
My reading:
**1:23**
